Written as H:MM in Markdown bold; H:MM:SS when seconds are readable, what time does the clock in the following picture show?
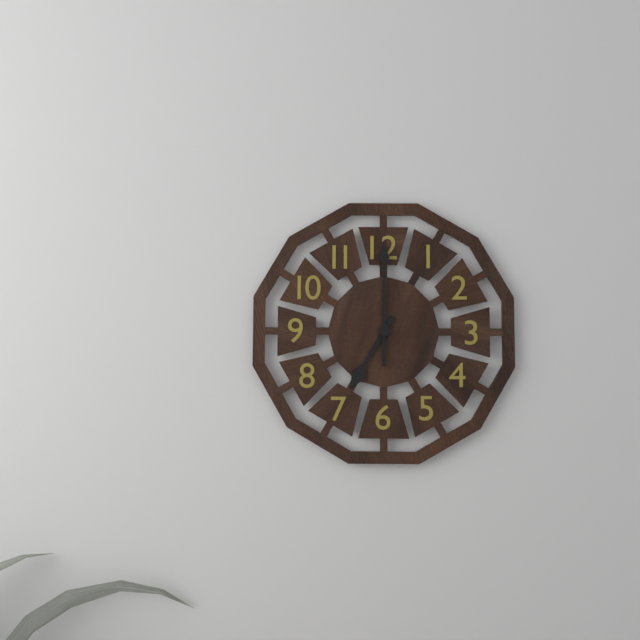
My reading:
**7:00**
